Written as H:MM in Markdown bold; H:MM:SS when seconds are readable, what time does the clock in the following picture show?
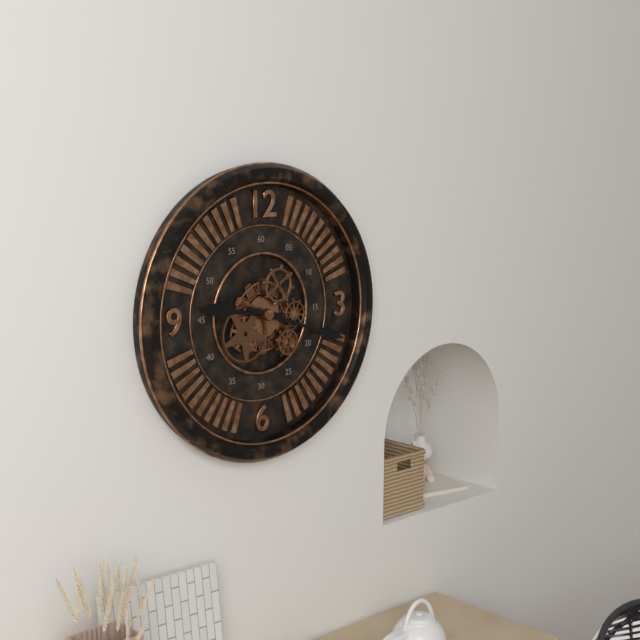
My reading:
**9:18**
